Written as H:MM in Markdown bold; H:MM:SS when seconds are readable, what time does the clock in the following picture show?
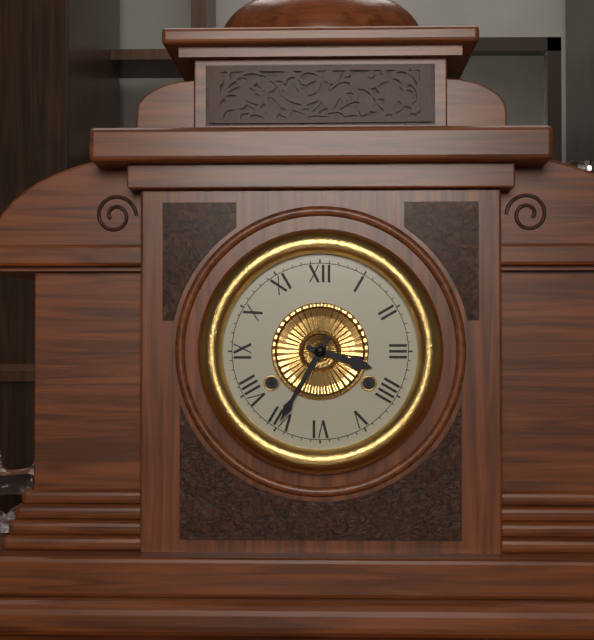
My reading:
**3:35**
